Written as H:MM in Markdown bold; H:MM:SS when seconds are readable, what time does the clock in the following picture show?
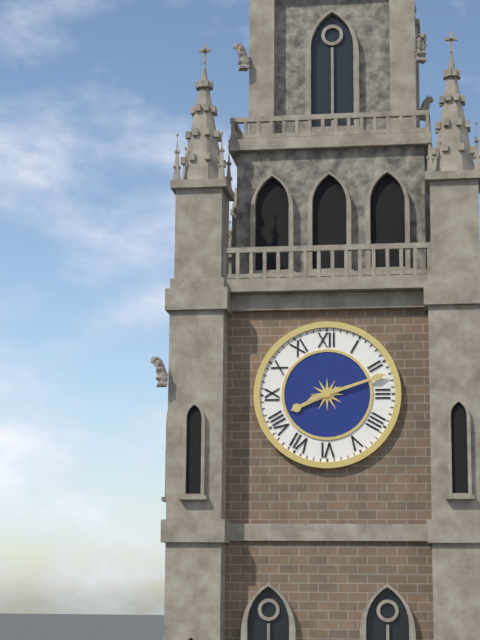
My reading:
**8:12**
